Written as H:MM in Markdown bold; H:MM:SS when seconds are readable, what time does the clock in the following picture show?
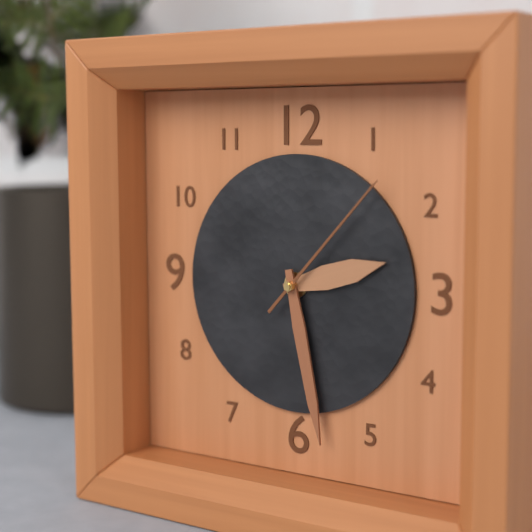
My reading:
**2:28:07**
